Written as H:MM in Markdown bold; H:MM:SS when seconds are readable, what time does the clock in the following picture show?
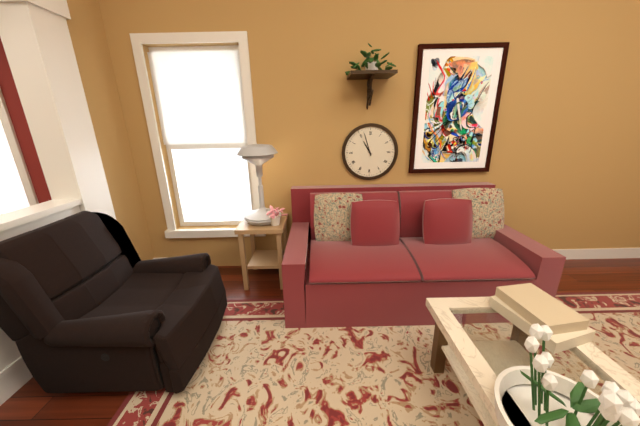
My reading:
**10:57**
